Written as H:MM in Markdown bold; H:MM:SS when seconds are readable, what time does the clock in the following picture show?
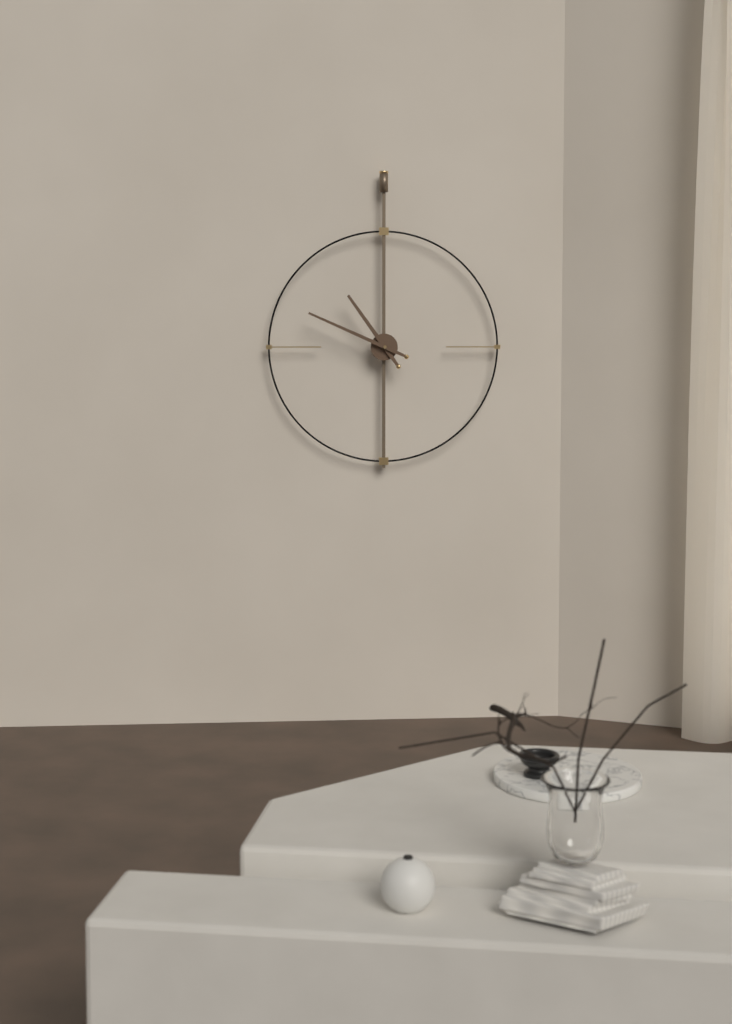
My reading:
**10:49**
